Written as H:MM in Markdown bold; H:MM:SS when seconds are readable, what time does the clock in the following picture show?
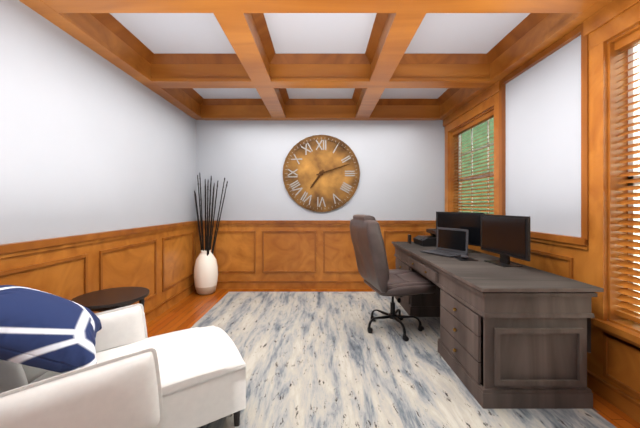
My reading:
**7:12**
